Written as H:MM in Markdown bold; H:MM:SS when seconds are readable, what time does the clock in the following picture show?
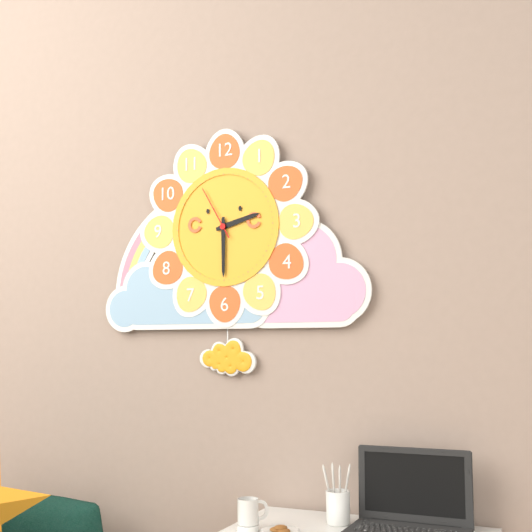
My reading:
**2:30:55**
